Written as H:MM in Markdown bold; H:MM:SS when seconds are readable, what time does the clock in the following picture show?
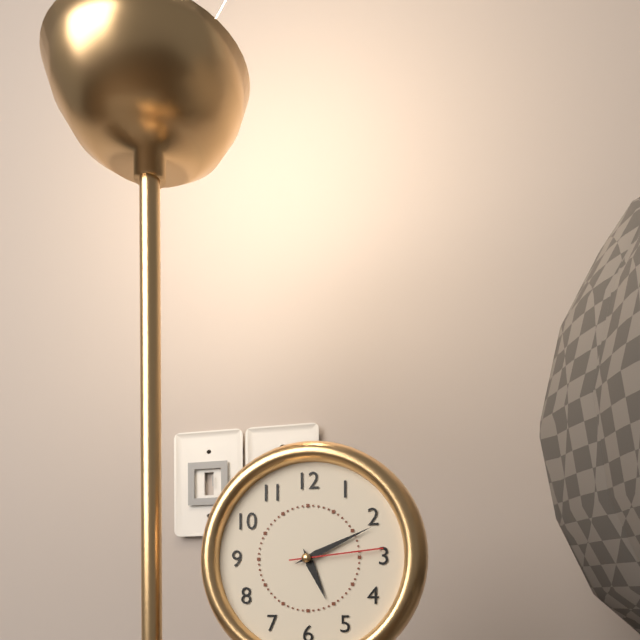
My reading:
**5:11:14**
